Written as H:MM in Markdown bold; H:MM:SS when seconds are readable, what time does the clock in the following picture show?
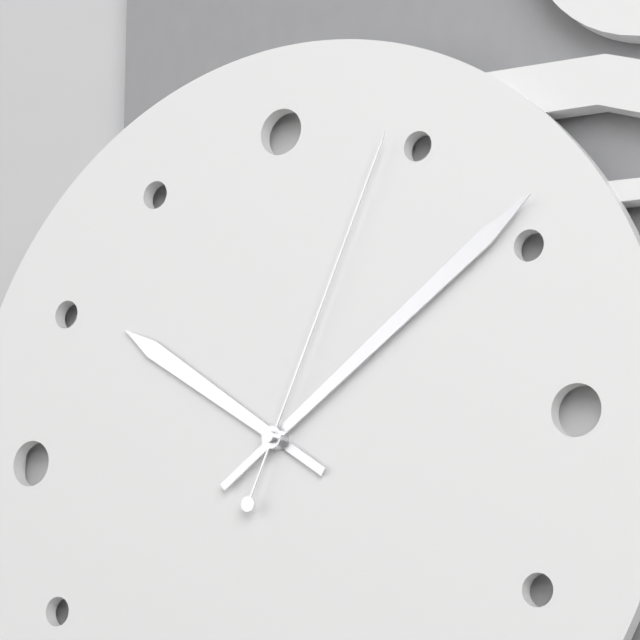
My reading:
**10:09:04**
